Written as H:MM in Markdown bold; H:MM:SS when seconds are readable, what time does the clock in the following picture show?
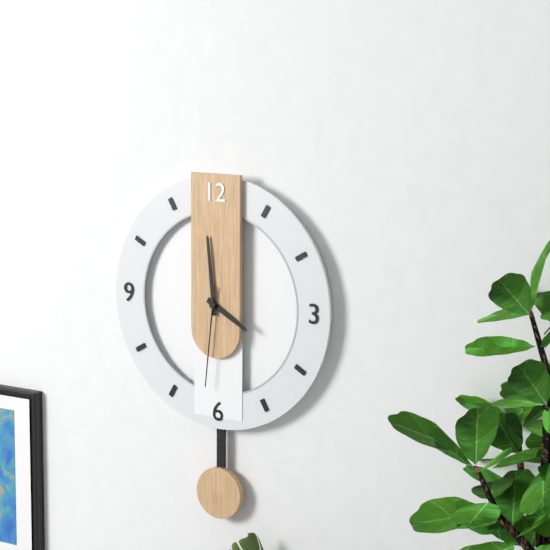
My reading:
**3:59:31**
